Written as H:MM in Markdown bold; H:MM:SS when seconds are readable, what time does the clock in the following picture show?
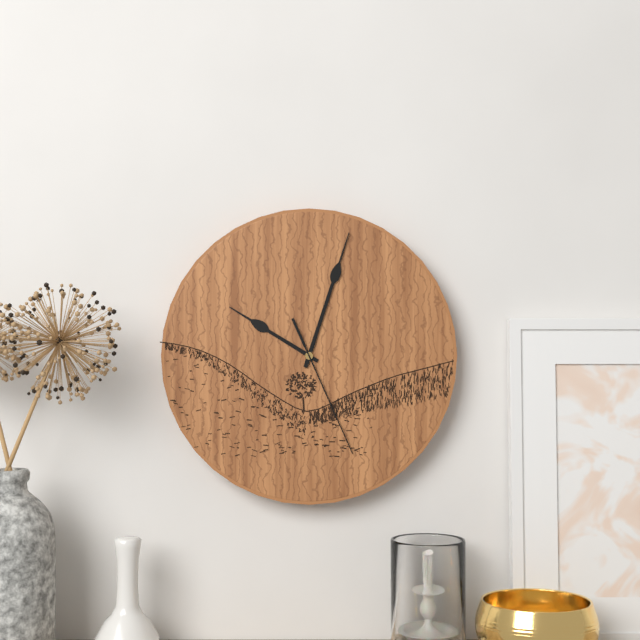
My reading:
**10:03:26**
